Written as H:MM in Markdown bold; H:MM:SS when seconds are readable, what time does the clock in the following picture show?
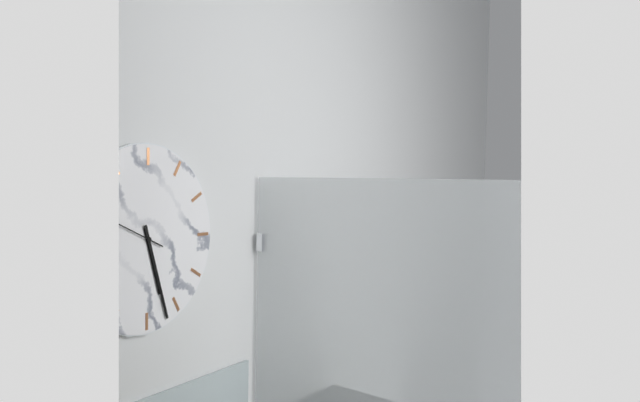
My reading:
**5:27**
